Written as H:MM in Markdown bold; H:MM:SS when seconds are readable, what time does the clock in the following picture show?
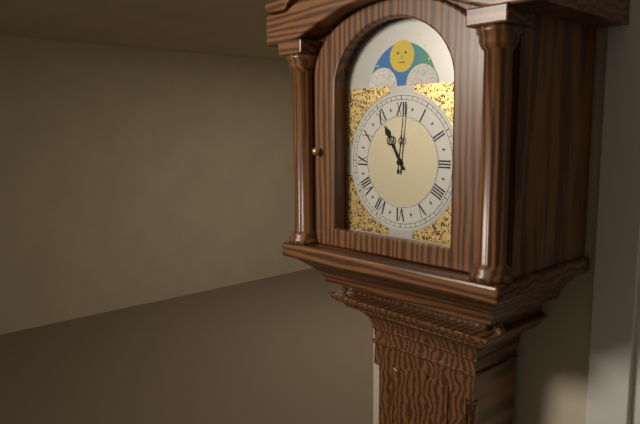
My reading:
**11:01**
